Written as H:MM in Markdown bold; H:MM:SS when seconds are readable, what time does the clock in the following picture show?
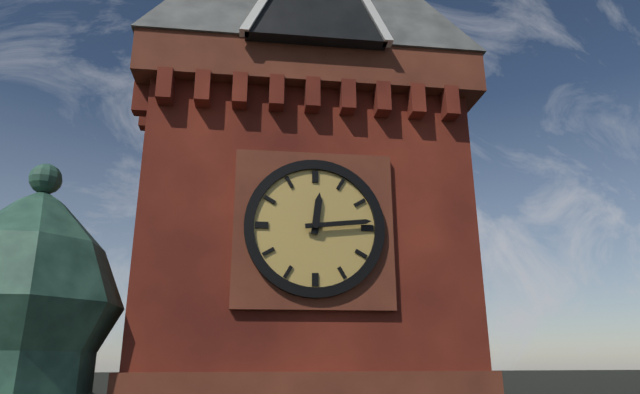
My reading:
**12:14**
